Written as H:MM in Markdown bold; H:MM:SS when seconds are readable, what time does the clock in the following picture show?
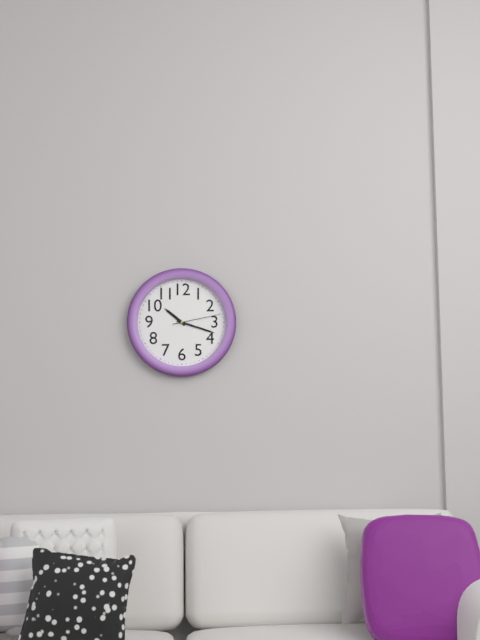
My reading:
**10:18**
